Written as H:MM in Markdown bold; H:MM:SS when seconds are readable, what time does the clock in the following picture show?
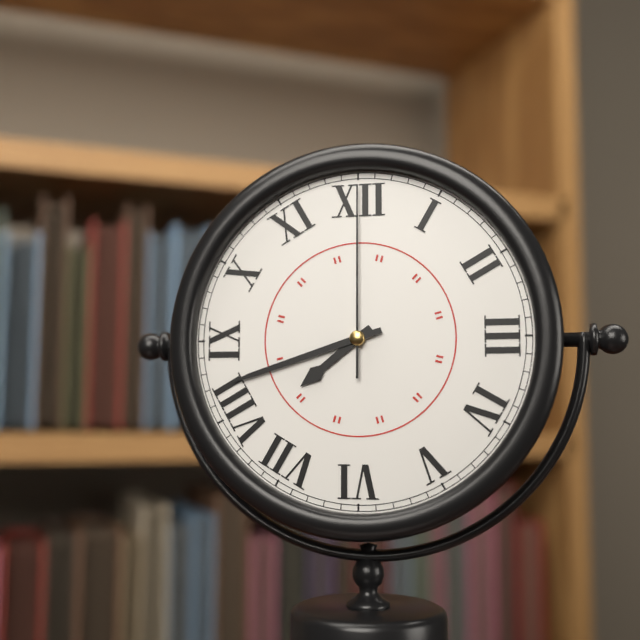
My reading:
**7:42:00**
